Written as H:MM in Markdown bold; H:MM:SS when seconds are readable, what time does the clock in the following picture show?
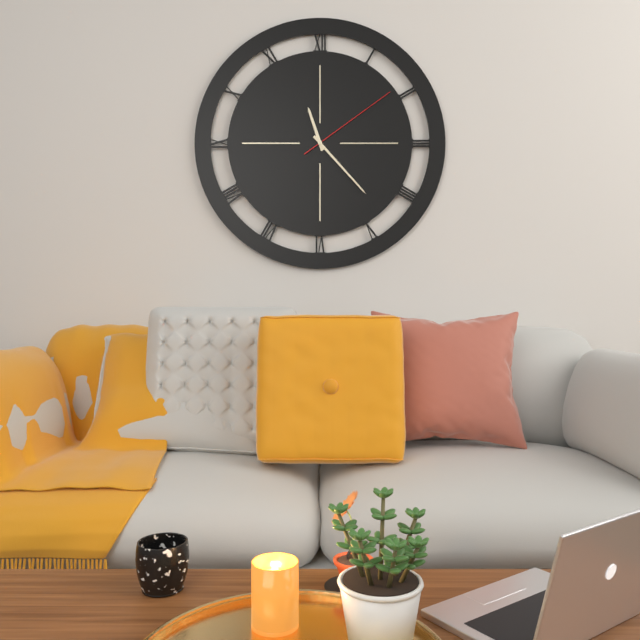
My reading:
**11:23:09**
